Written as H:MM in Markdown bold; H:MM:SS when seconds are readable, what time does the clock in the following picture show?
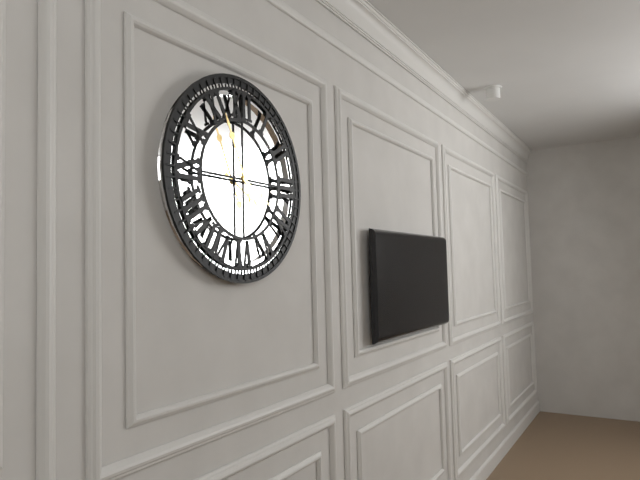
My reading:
**3:56**
